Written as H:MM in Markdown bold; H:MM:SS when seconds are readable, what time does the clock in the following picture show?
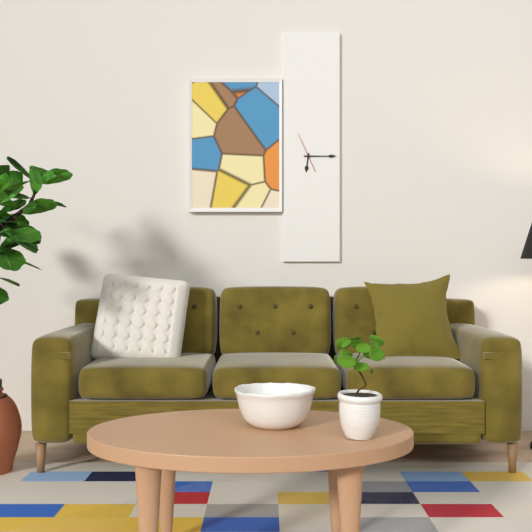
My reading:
**6:15**
